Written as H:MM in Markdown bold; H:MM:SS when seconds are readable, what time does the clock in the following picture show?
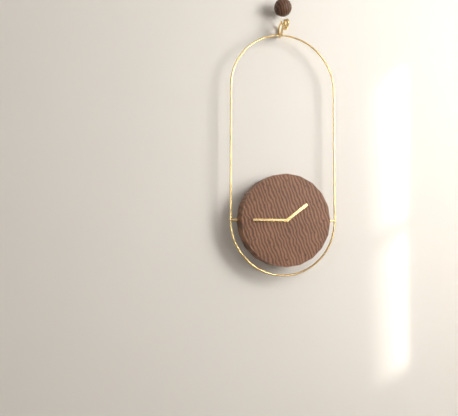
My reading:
**1:45**
